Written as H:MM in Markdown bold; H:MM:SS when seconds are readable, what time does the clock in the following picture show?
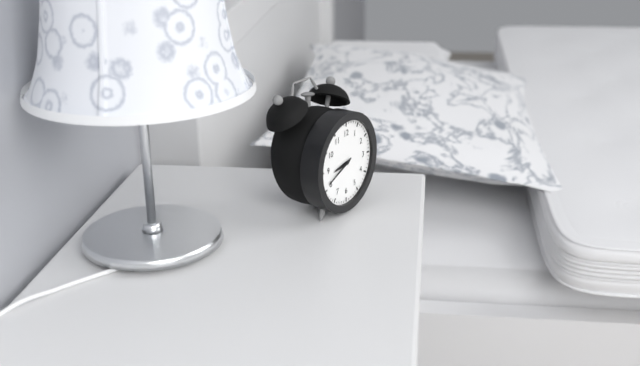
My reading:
**8:41**
